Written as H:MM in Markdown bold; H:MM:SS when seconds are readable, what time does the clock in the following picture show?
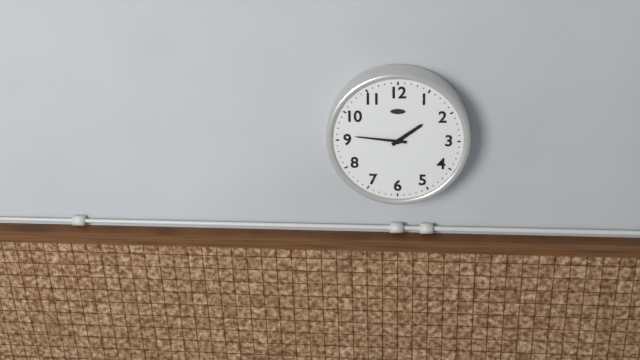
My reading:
**1:46**
